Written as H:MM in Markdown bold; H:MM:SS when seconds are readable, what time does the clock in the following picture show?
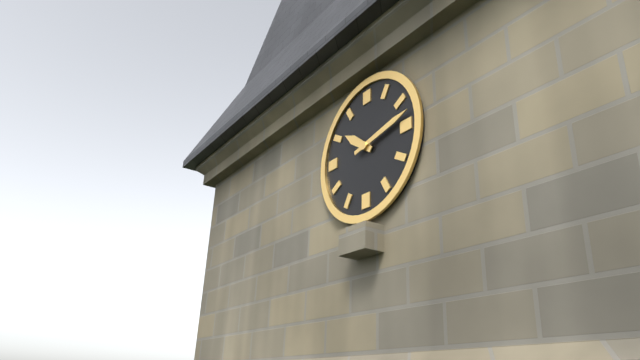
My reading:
**10:13**
